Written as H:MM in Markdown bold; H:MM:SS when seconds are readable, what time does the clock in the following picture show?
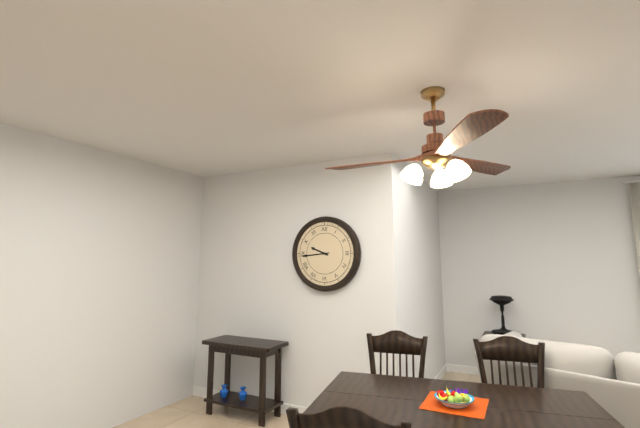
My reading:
**9:44**
